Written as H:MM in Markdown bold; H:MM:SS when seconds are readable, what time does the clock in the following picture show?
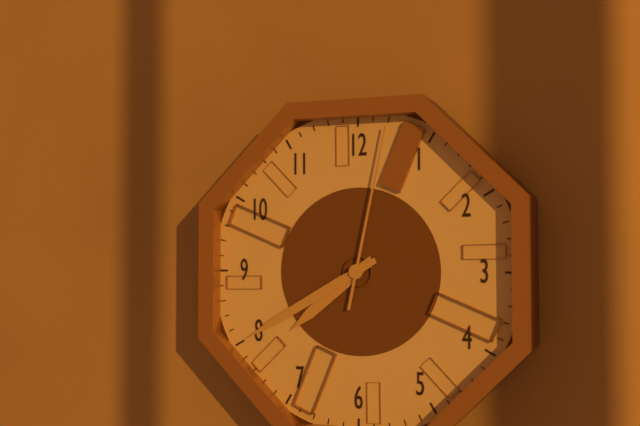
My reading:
**7:40:02**
